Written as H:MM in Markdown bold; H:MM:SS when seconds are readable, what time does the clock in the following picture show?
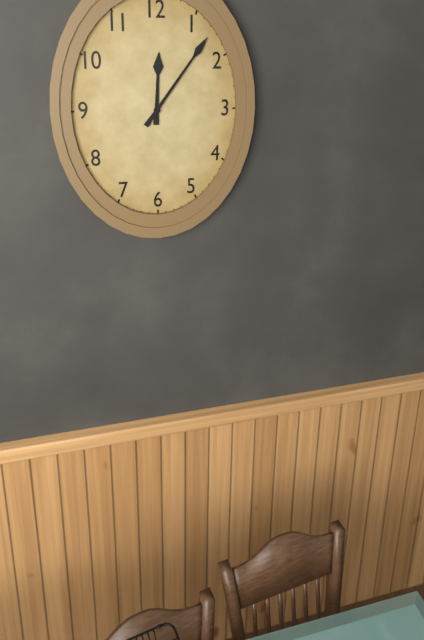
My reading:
**12:06**
